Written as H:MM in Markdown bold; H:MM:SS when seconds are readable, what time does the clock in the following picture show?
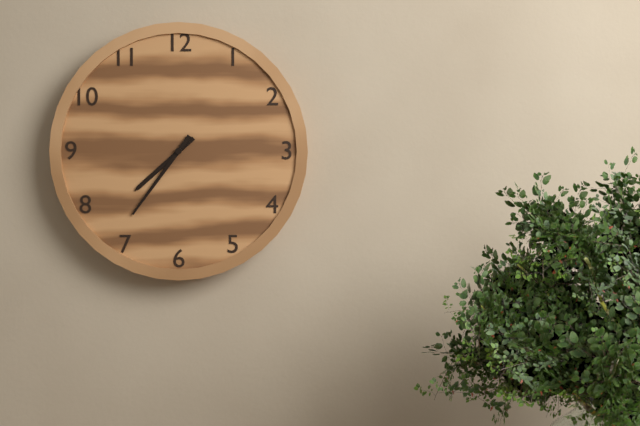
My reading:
**7:36**
